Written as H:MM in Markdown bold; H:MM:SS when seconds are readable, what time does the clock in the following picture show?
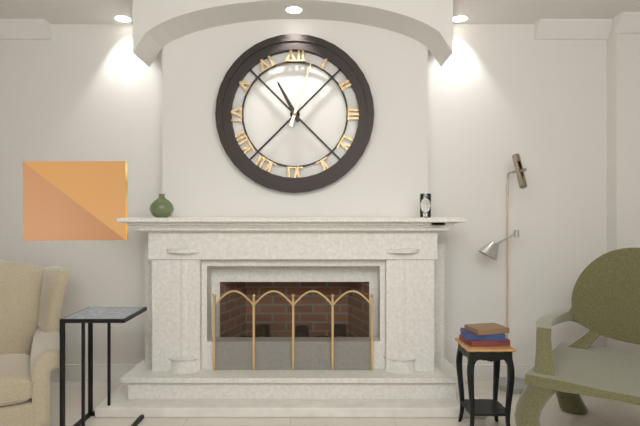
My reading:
**11:03**
